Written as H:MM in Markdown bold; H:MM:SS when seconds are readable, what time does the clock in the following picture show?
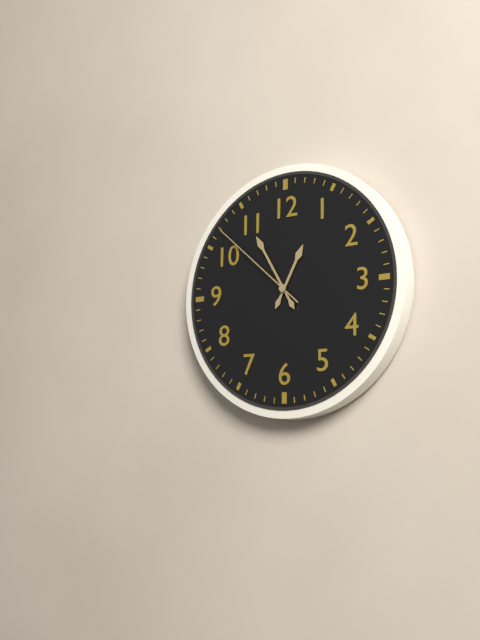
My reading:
**12:55:52**
